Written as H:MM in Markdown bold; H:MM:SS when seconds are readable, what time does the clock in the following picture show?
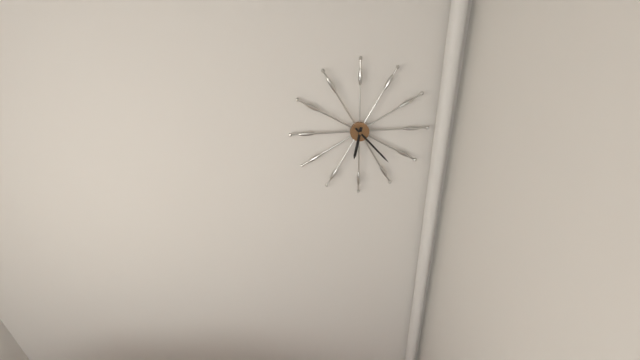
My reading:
**6:23**
